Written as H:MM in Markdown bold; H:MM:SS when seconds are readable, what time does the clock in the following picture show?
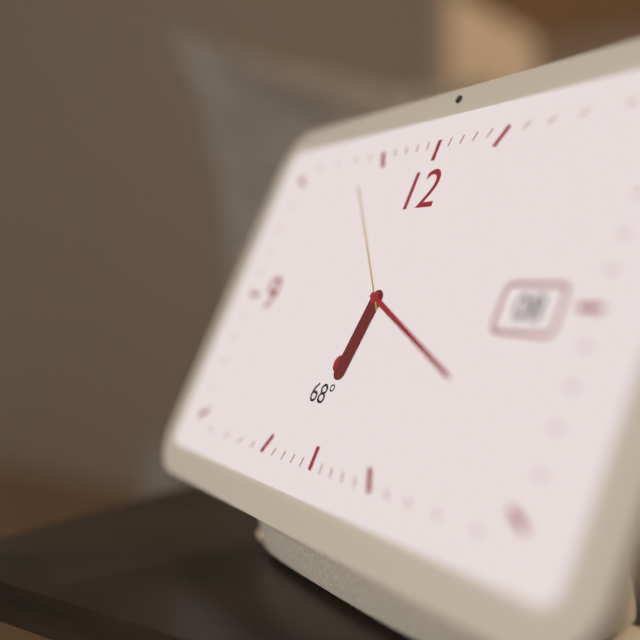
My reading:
**6:19:53**
